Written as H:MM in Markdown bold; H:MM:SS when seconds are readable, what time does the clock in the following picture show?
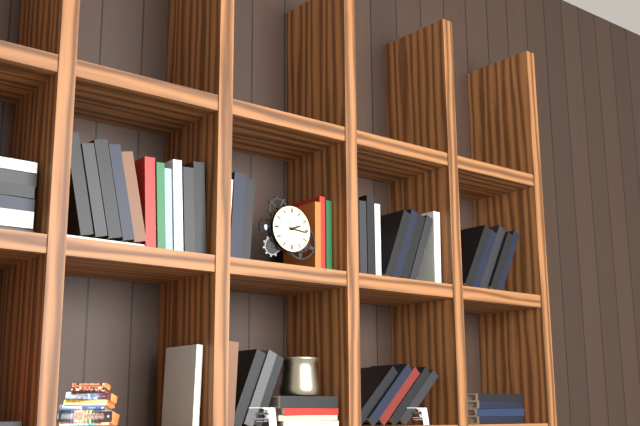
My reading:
**2:16**
